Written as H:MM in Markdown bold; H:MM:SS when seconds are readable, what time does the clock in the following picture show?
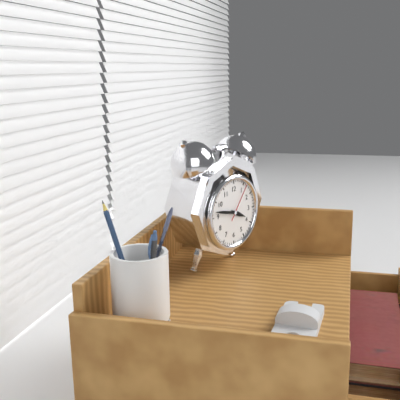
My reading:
**3:47**
